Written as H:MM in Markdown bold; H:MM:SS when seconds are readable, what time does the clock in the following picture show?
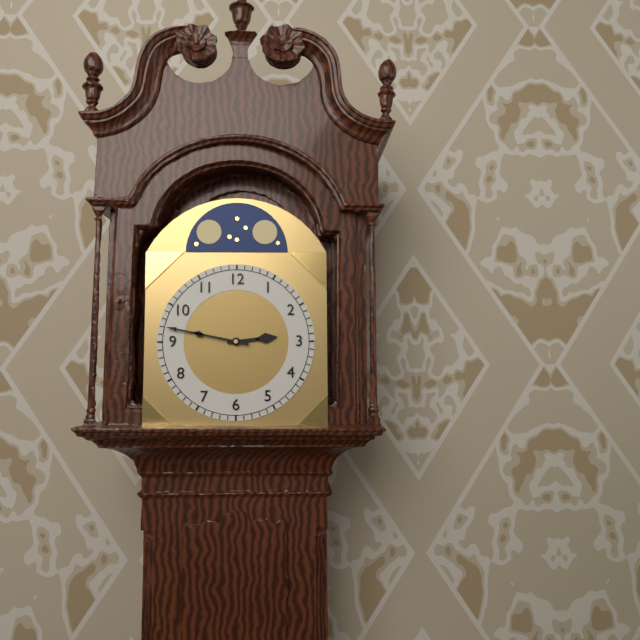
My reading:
**2:47**
